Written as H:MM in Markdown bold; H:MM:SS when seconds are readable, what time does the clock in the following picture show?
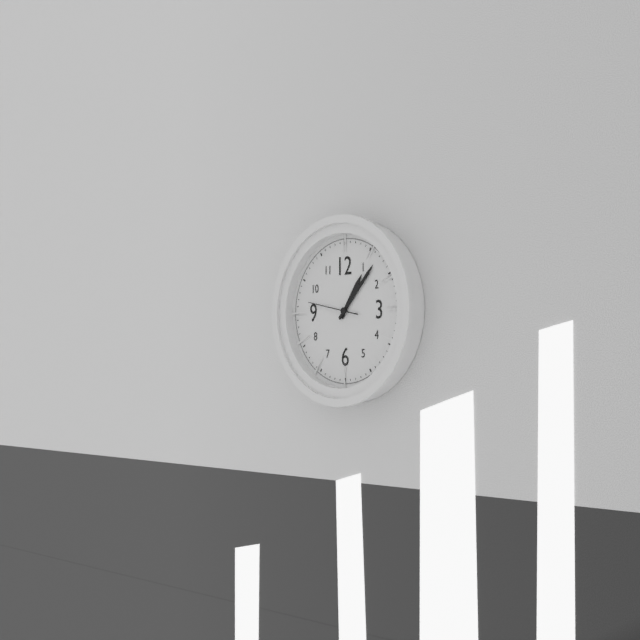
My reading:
**1:07**
